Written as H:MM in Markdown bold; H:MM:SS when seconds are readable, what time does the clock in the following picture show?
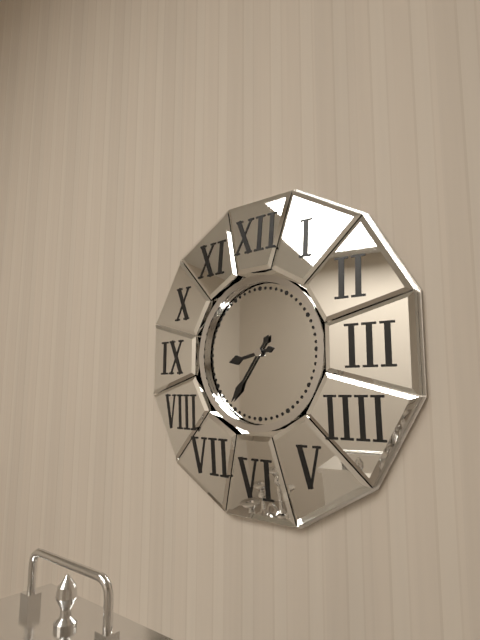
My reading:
**8:36**
